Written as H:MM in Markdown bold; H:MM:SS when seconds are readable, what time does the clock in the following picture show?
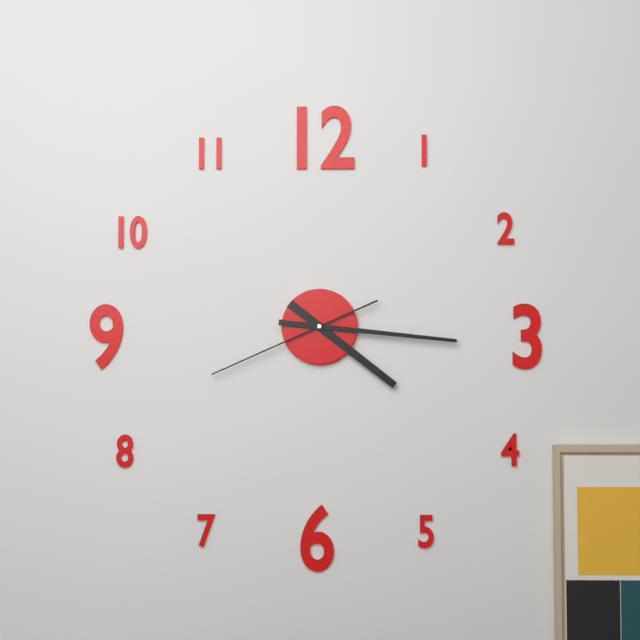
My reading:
**4:16:41**
